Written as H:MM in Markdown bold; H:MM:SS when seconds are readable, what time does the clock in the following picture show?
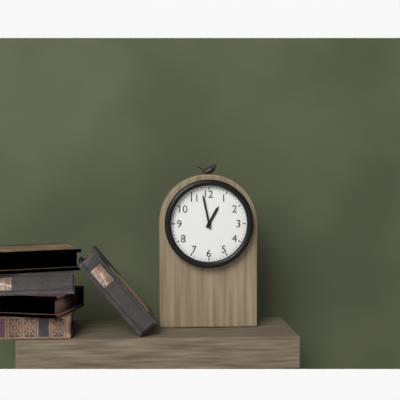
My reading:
**12:58**
